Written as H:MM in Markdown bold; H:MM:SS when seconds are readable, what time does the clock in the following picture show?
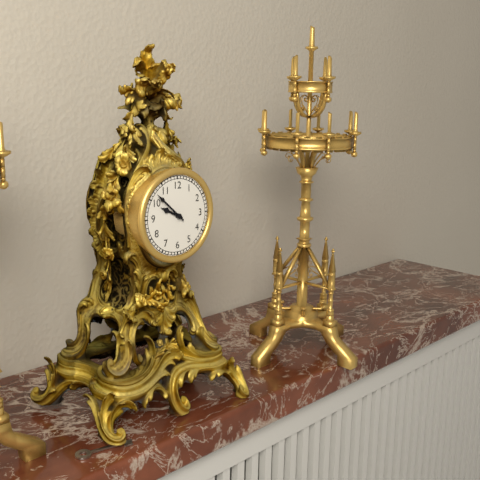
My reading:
**9:52**
